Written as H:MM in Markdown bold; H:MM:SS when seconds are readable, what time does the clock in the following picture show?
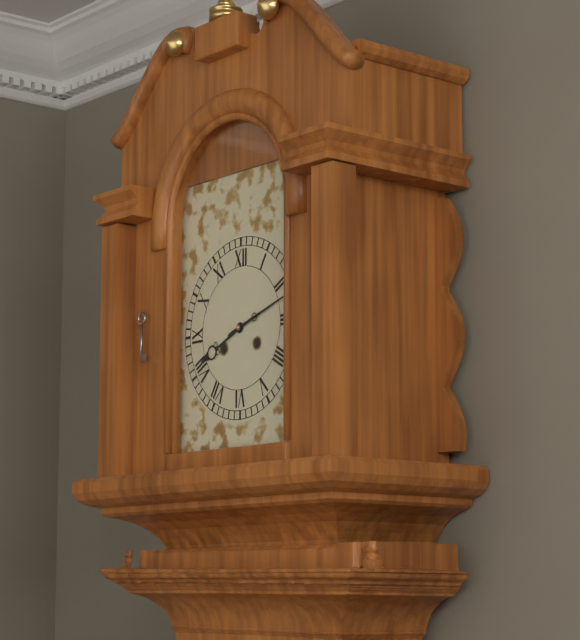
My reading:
**8:12**
